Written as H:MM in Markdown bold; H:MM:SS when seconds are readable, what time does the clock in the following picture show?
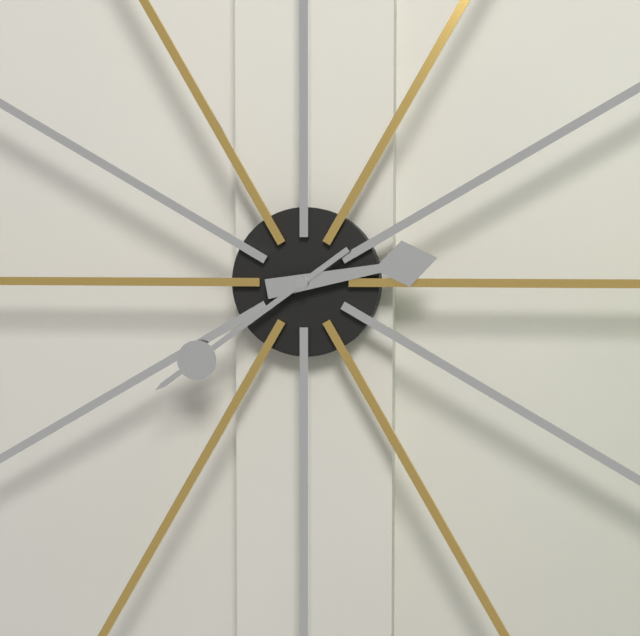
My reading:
**2:39**
